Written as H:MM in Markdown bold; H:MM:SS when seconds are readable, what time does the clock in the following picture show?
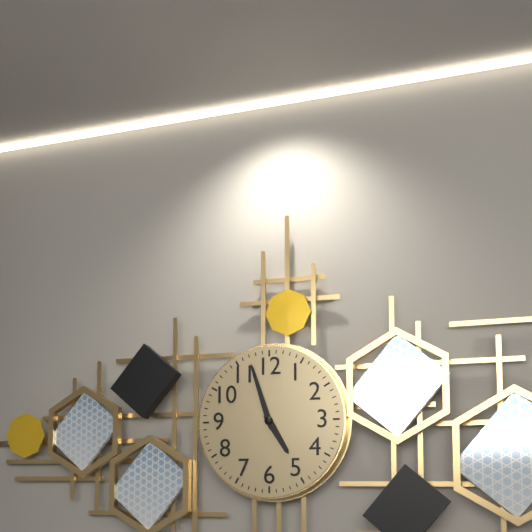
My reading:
**4:57**
